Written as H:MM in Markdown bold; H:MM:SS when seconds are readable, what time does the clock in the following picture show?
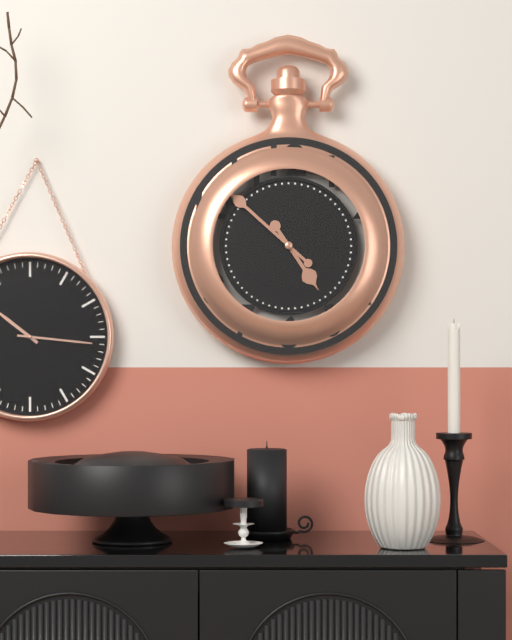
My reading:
**4:52**
